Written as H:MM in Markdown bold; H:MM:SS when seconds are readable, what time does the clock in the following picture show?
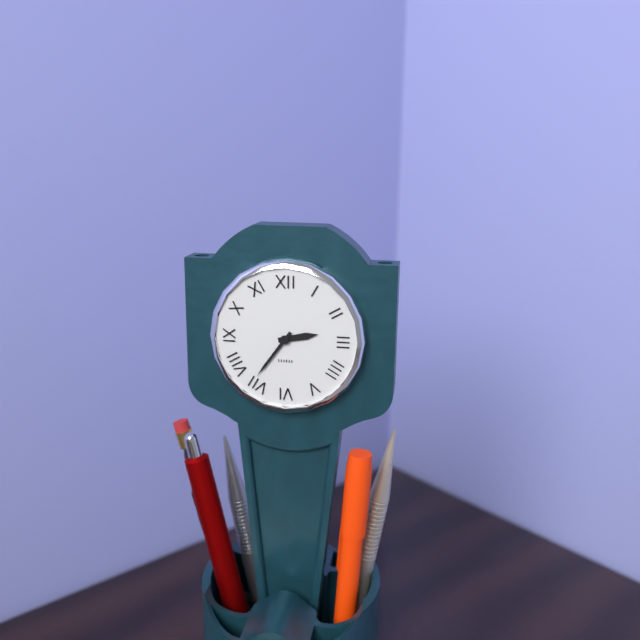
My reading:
**2:36**
